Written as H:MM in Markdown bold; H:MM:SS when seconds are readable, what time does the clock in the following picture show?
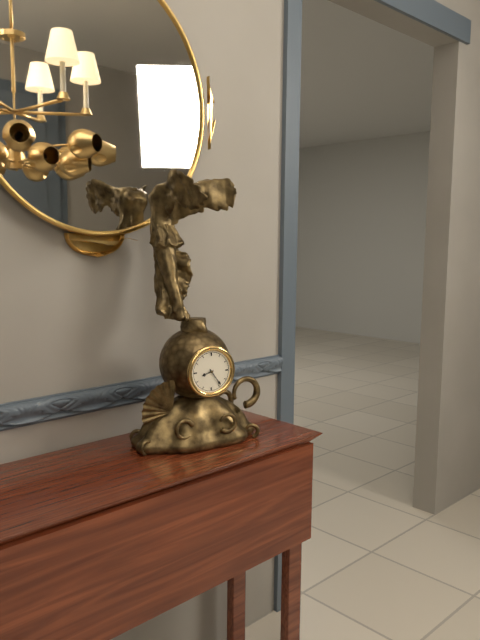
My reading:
**8:24**
